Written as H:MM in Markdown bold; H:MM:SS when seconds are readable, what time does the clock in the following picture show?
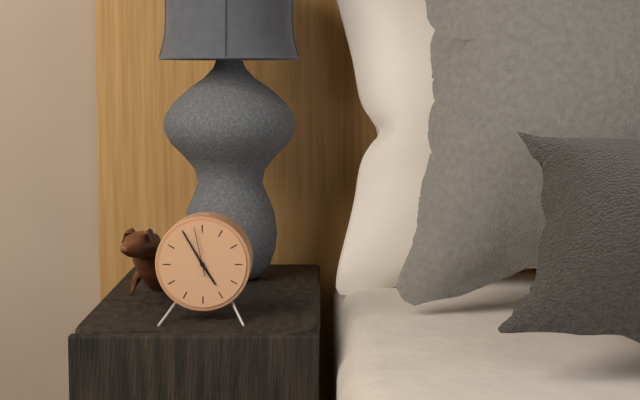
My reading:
**4:55**
